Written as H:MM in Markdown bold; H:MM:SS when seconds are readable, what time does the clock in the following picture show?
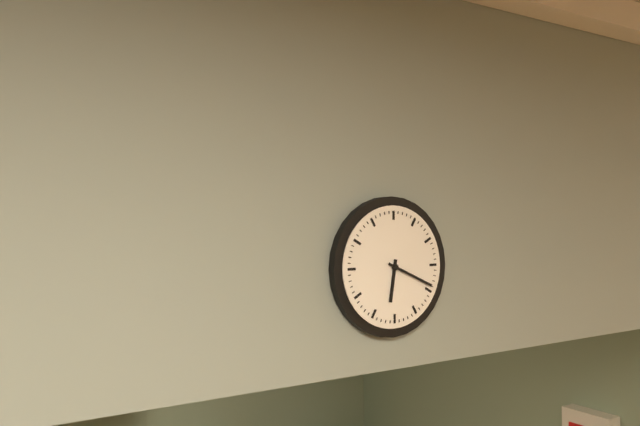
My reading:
**6:19**
